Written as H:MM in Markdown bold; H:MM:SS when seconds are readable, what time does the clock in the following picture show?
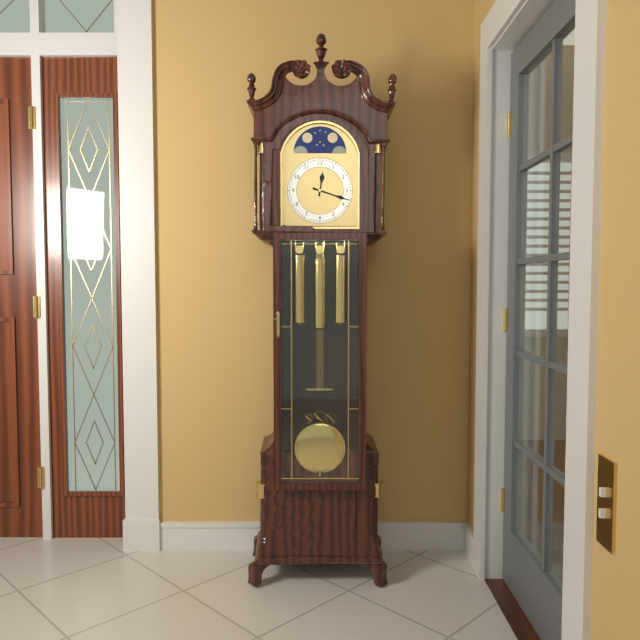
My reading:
**12:18**
